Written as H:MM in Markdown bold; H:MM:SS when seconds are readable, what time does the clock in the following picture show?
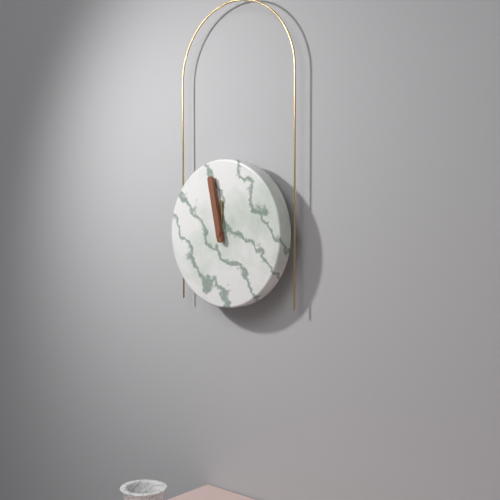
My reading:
**11:58**
